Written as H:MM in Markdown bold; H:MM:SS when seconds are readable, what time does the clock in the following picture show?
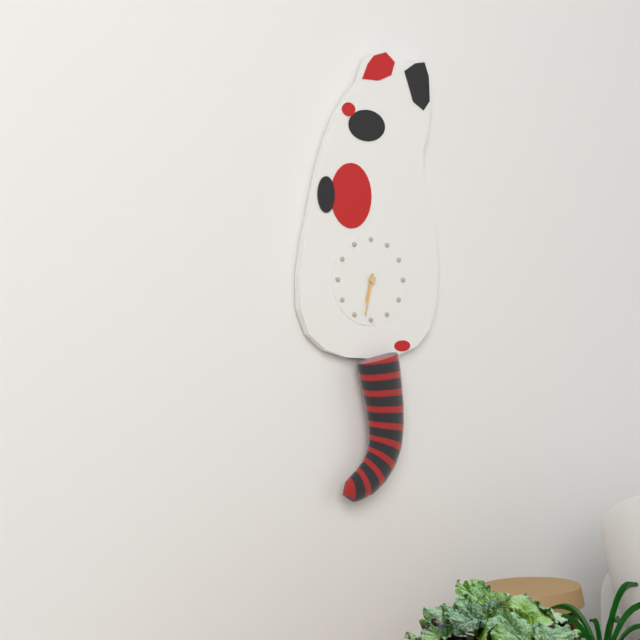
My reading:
**6:32**
